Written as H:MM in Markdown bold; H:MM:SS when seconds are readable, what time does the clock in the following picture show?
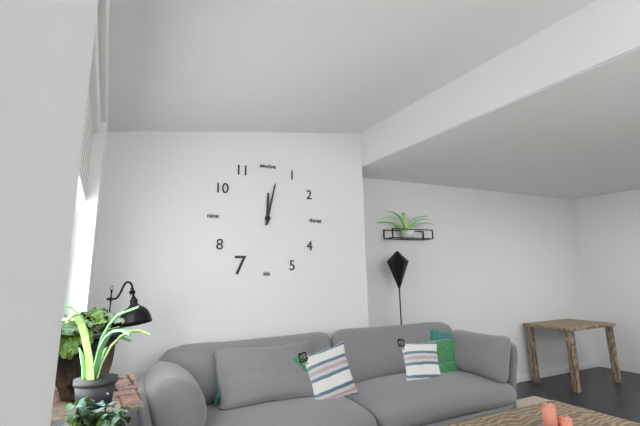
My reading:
**12:02**
